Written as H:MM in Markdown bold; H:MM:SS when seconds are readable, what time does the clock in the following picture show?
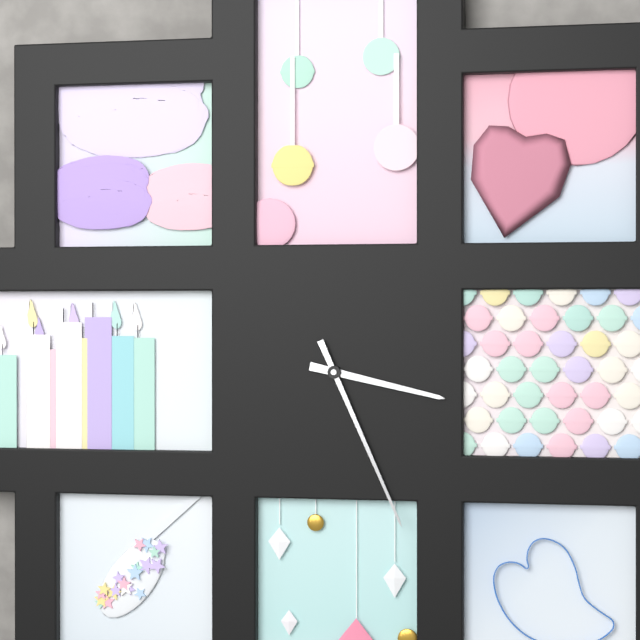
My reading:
**3:26**
